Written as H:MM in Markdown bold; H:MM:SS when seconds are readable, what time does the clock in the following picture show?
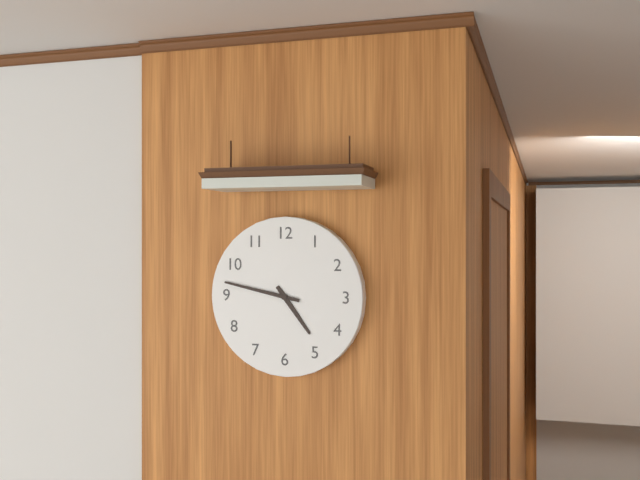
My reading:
**4:47**
